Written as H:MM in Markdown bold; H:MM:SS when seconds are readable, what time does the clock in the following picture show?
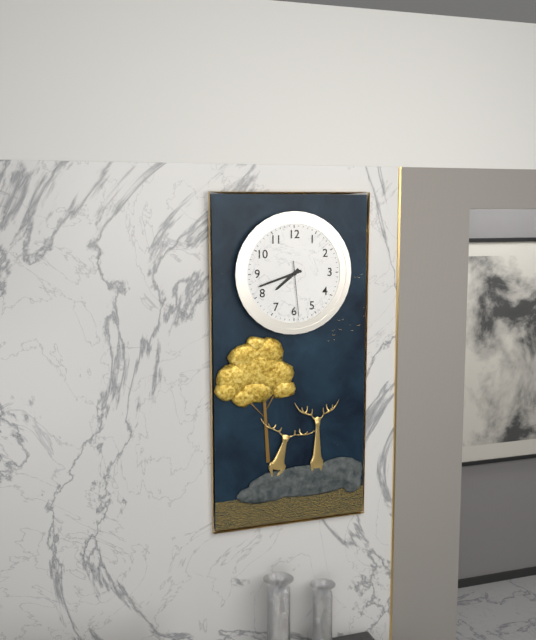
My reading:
**7:42:29**
